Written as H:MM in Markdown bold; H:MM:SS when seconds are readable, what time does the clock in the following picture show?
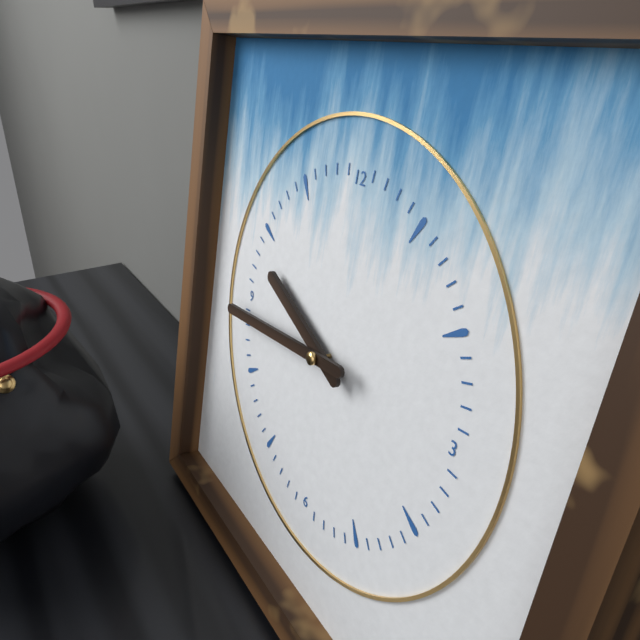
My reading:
**9:44**
